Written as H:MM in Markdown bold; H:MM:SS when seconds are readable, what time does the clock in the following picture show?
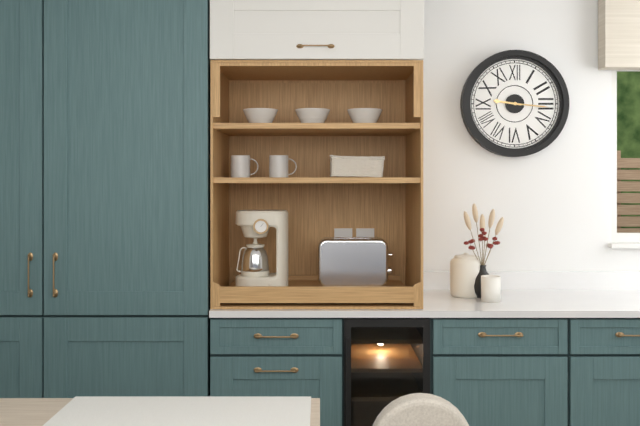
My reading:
**9:16**
